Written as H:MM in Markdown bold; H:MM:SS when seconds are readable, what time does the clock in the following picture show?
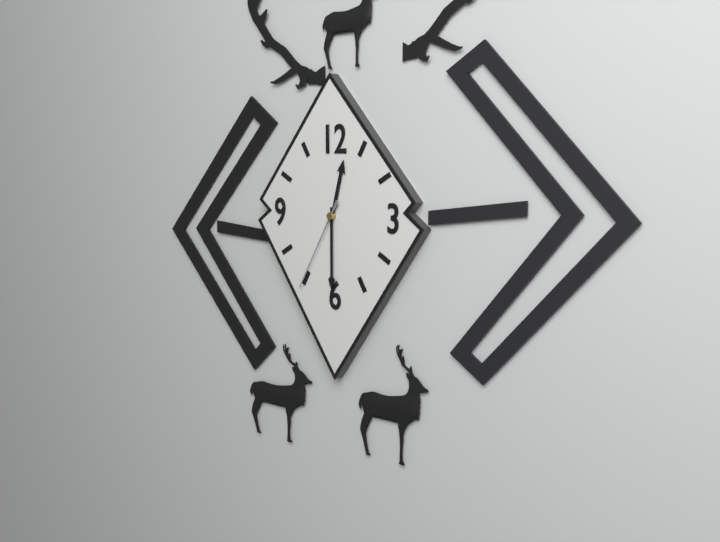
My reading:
**12:30:35**
